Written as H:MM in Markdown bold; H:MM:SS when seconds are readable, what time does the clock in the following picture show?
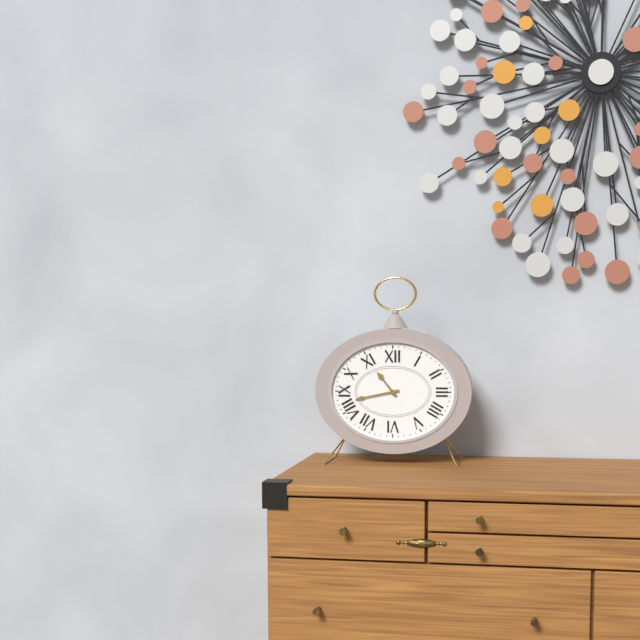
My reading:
**10:43**
